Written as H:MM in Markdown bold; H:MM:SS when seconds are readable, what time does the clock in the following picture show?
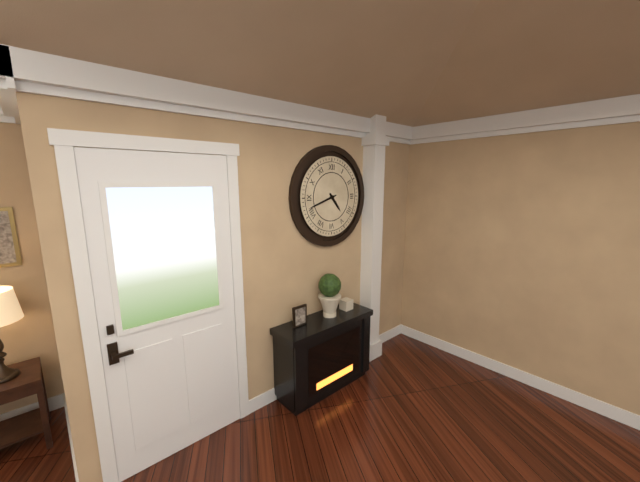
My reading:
**4:42**
